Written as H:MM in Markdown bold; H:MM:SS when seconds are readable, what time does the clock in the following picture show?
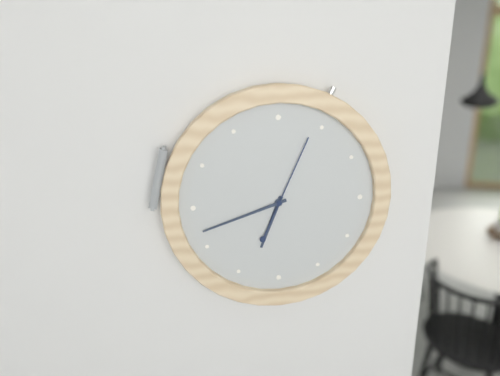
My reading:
**6:42:04**
